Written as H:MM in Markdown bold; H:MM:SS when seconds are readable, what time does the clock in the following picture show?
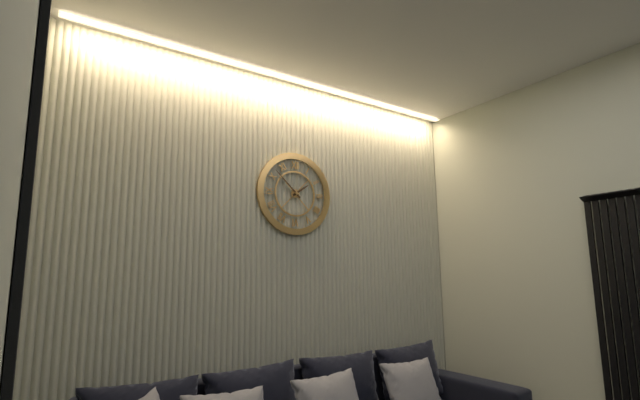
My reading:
**1:52**
